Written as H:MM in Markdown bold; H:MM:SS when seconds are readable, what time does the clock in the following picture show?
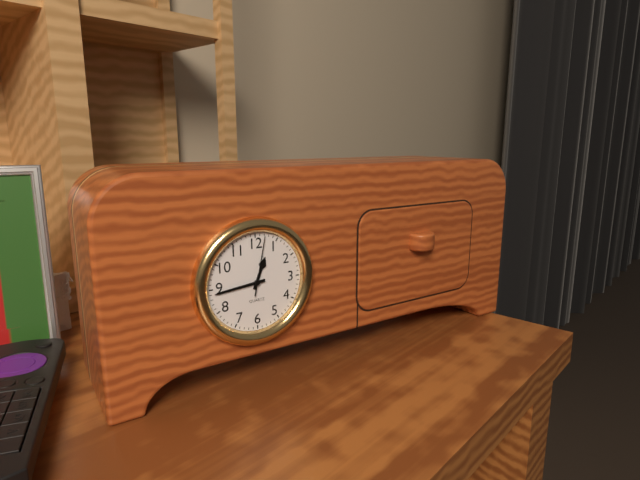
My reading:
**12:44:02**
